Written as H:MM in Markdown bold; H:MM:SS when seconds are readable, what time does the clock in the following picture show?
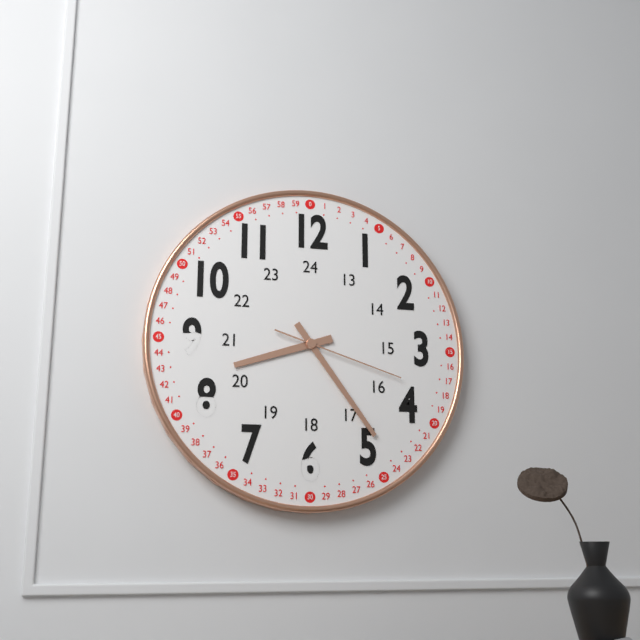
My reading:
**8:24:18**
